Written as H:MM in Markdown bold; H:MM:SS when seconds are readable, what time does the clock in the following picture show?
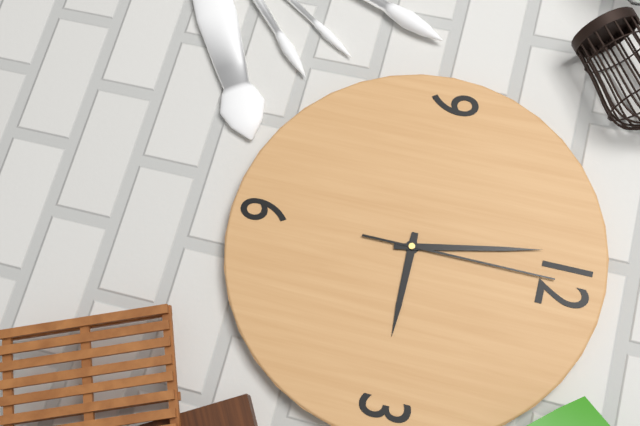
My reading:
**2:58:00**
